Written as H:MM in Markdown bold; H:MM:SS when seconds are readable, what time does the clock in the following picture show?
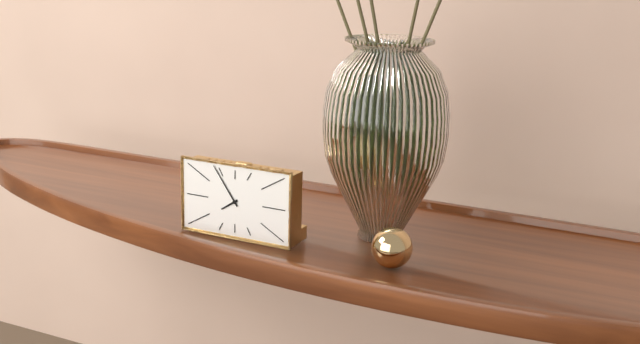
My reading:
**7:54**
